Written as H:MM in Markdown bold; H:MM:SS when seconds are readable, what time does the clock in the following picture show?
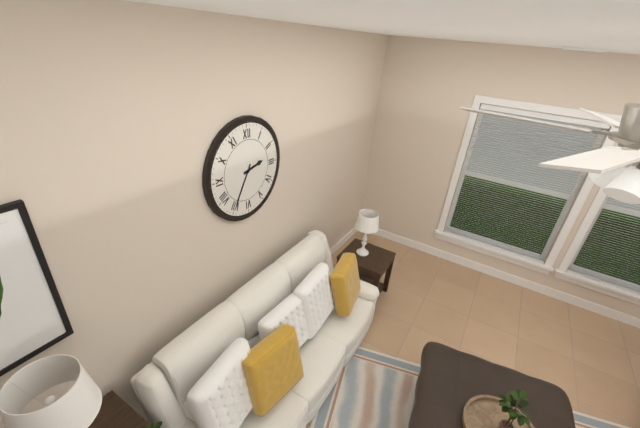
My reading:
**2:35**
